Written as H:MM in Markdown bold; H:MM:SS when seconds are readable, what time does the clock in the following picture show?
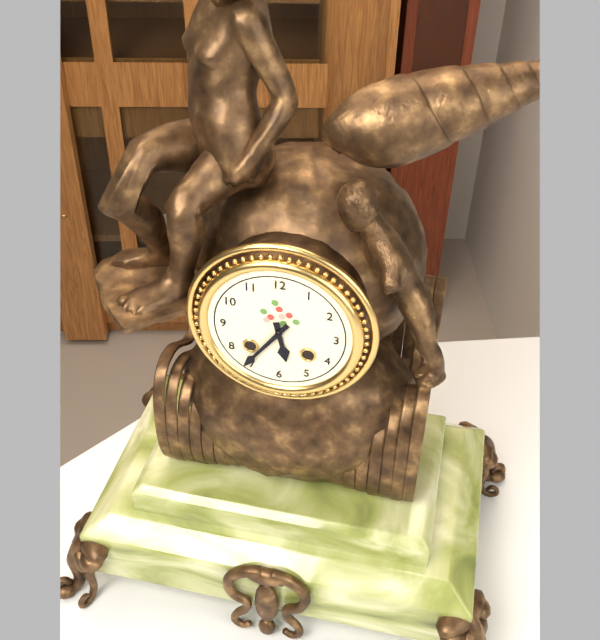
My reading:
**5:36**
